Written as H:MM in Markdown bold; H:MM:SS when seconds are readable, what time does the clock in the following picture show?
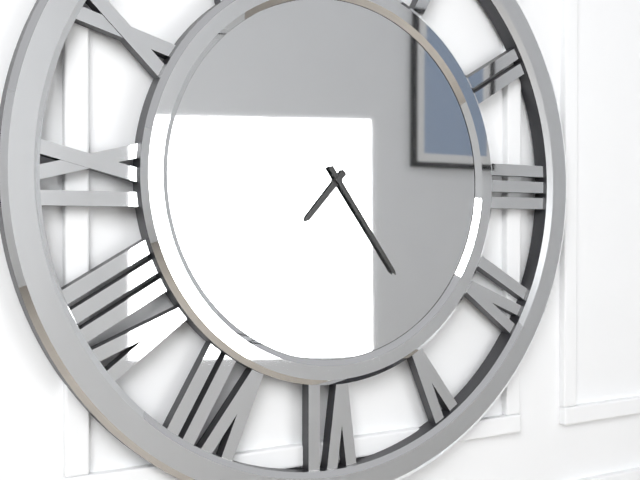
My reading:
**7:24**
